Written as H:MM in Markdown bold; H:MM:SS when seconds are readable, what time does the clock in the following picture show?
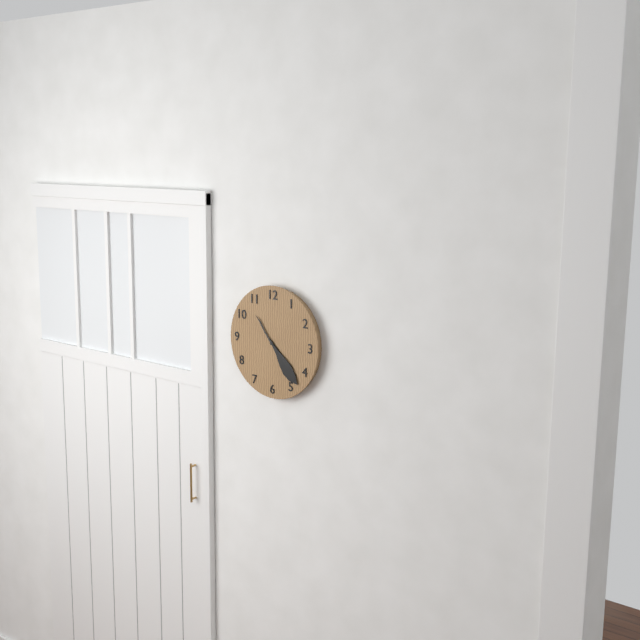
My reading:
**4:23**
